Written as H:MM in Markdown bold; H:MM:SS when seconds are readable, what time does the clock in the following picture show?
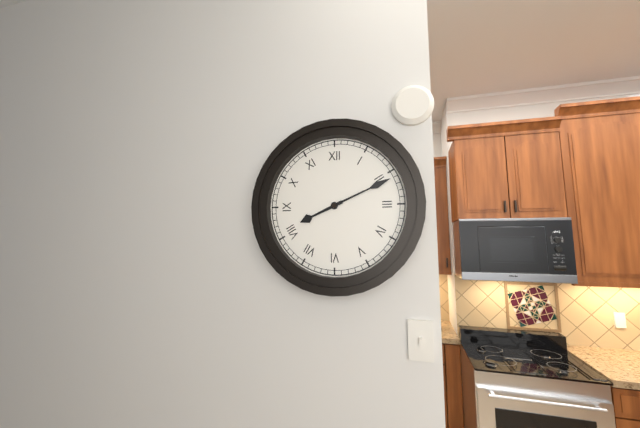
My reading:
**8:11**
